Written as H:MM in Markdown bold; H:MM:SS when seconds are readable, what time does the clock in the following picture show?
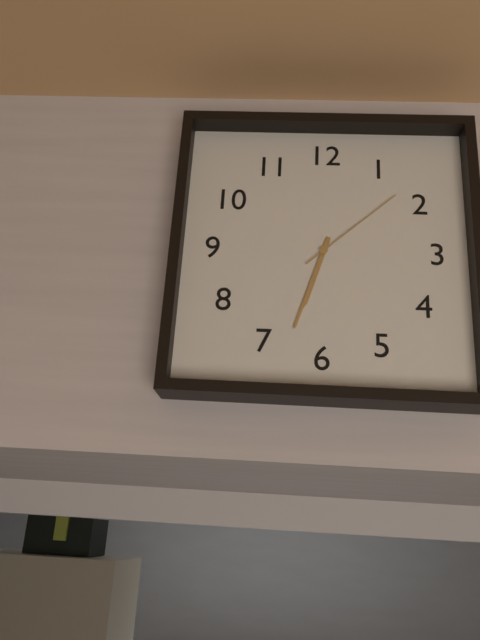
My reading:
**6:33:08**
